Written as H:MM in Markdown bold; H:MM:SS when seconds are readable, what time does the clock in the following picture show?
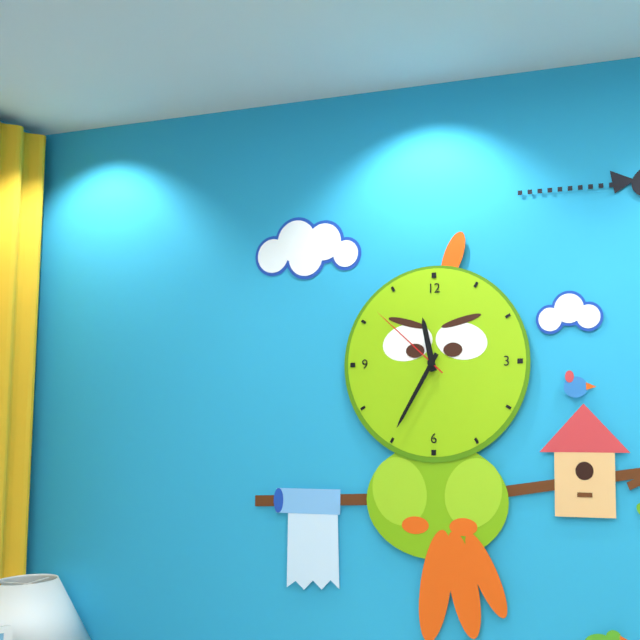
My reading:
**11:35:52**
